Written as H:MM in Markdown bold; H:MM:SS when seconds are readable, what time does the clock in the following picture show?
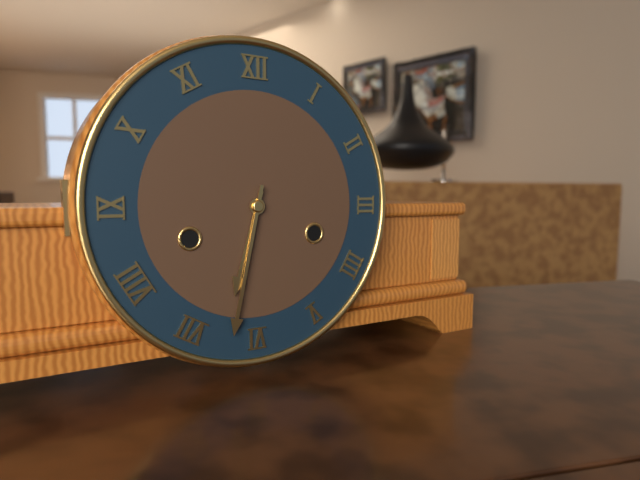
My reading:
**6:32**
